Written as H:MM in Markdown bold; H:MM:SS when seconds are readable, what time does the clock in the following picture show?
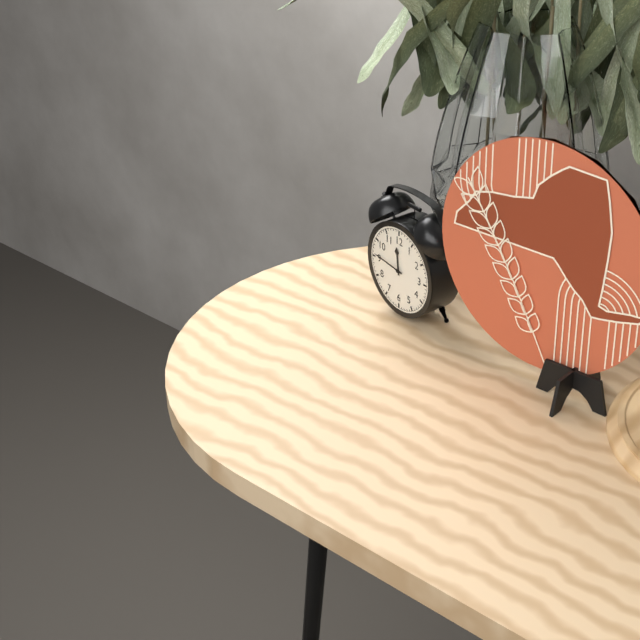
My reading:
**11:46**
